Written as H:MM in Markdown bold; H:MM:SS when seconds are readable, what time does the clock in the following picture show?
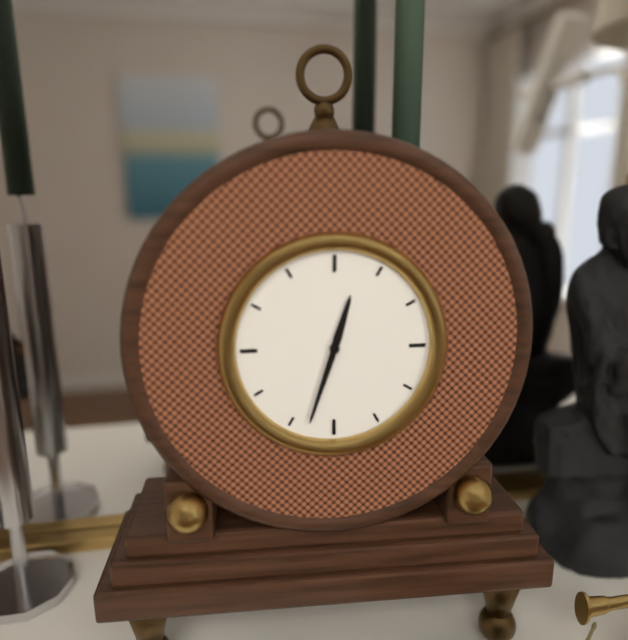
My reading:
**12:33**
